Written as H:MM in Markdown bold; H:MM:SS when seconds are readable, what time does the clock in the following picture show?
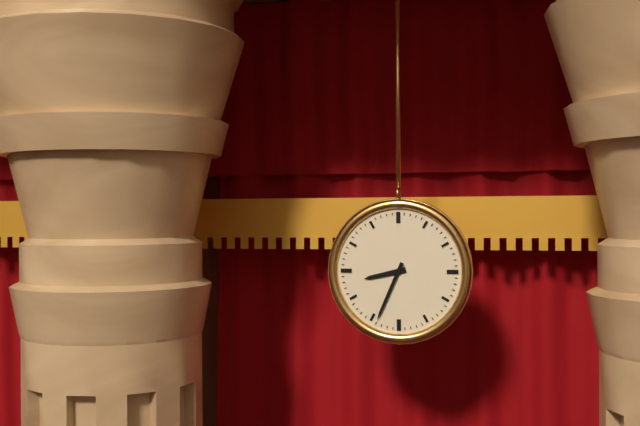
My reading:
**8:34**
